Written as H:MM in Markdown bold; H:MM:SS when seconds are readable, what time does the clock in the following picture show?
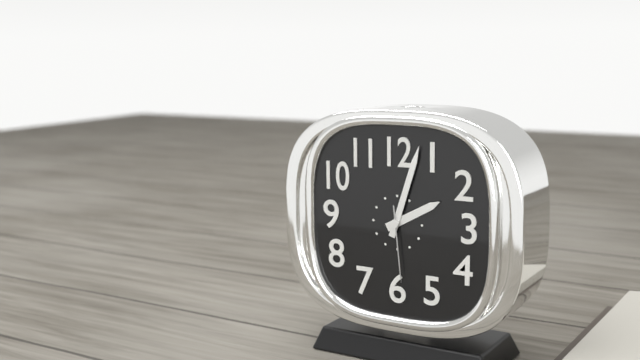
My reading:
**2:03:29**
